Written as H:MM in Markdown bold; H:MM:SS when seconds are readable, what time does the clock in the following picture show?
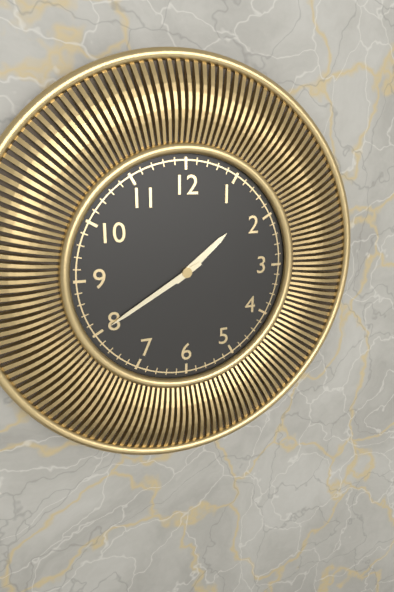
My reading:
**1:40**
